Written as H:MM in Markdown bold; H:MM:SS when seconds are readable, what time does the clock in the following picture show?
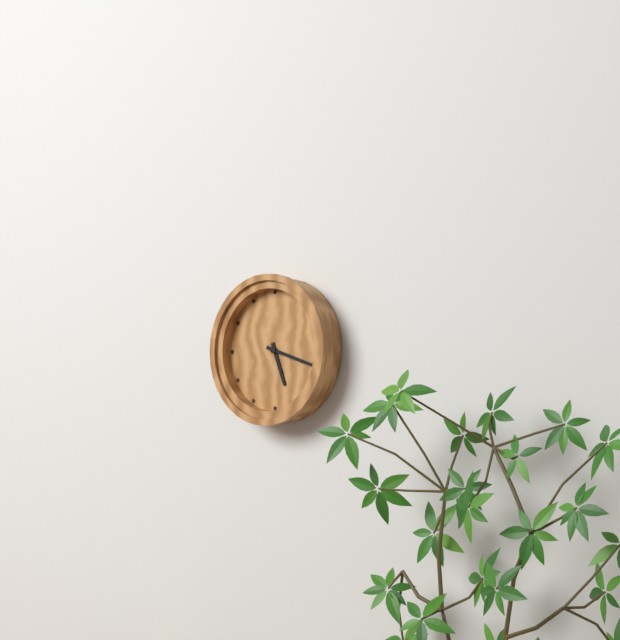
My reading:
**5:18**
